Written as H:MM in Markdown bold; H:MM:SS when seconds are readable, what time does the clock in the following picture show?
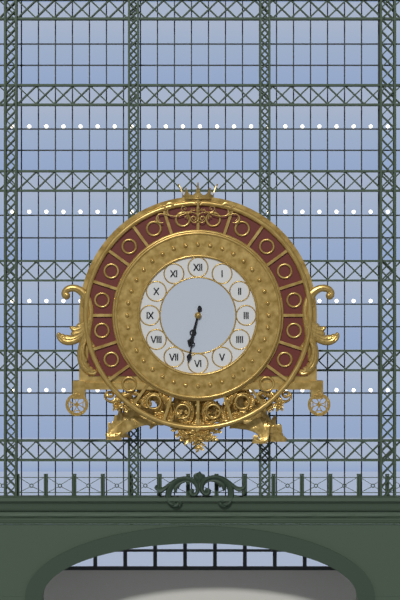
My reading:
**6:32**
